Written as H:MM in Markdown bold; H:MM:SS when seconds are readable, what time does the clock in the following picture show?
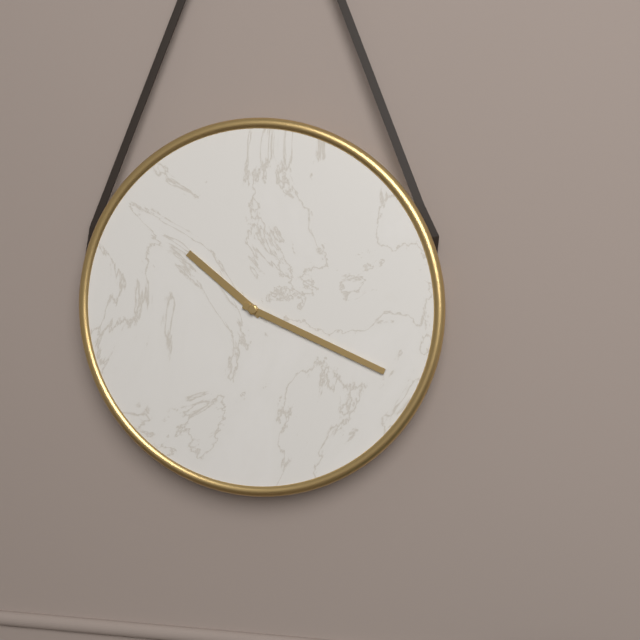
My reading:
**10:19**
